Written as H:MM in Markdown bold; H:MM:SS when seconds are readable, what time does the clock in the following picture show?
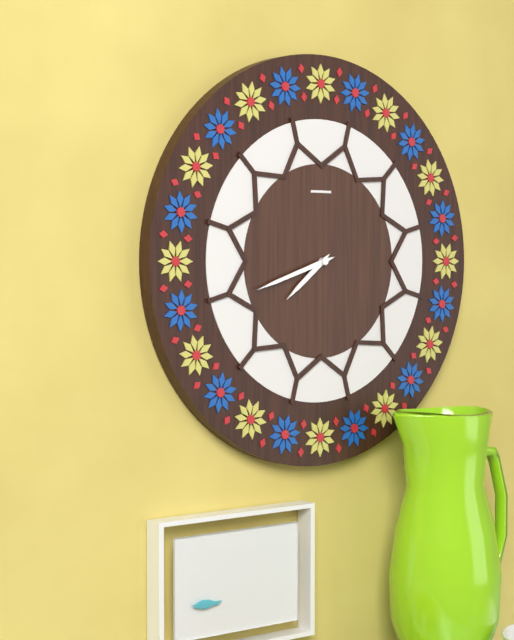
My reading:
**7:42**
